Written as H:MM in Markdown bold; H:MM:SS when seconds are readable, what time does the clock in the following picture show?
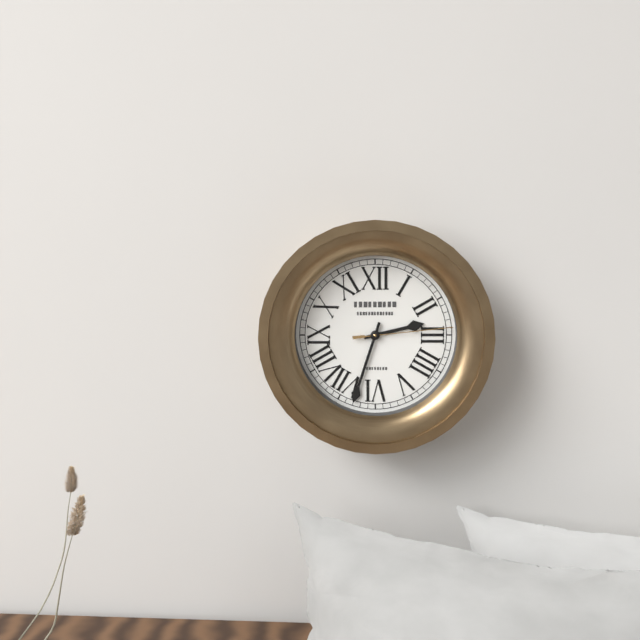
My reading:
**2:33:14**
